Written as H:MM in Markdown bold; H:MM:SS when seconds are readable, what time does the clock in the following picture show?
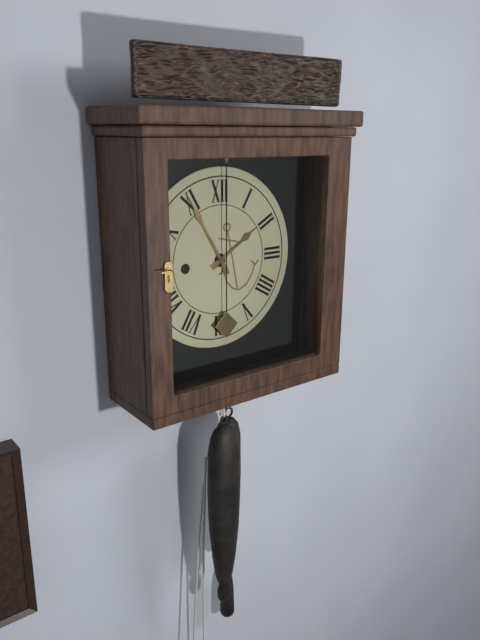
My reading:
**1:55**
